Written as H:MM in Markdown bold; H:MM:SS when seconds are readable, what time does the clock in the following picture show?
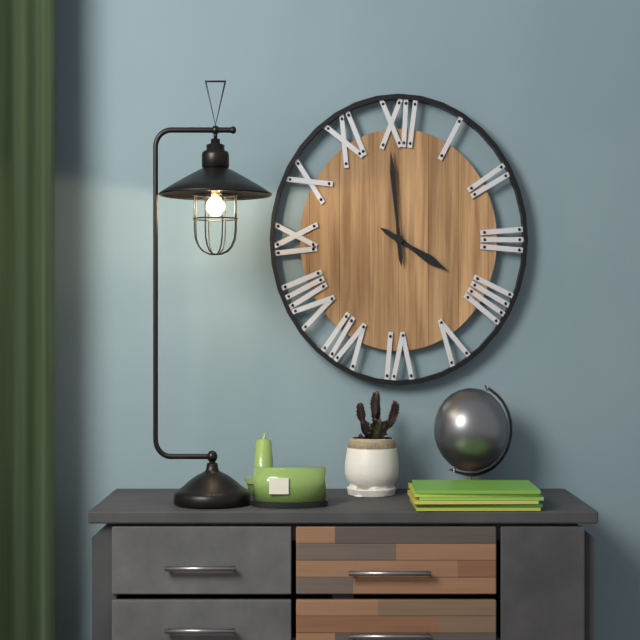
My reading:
**3:59**
